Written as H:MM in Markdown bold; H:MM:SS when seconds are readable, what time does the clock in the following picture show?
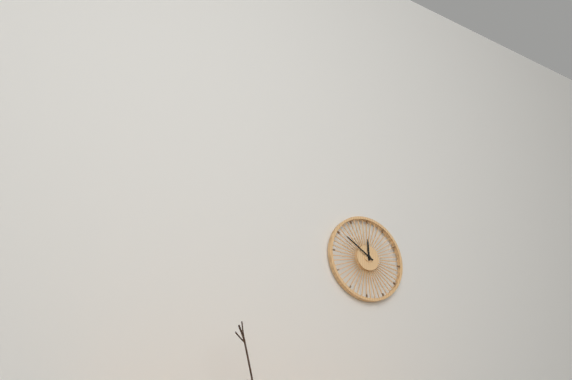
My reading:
**11:50**
